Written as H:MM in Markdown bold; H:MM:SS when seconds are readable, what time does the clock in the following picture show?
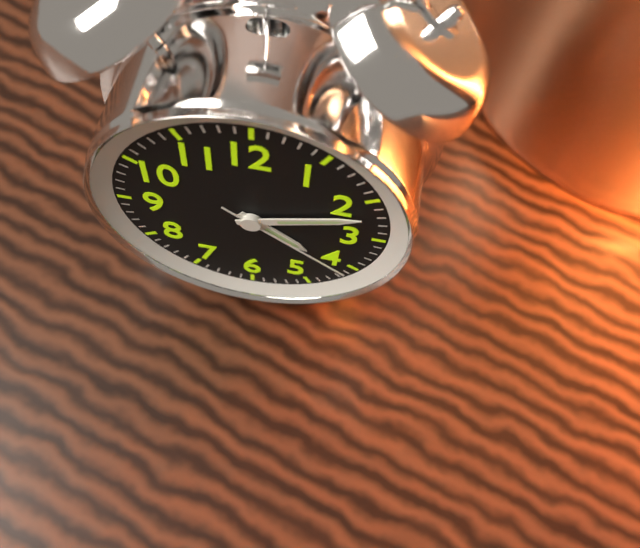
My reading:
**4:12:21**
